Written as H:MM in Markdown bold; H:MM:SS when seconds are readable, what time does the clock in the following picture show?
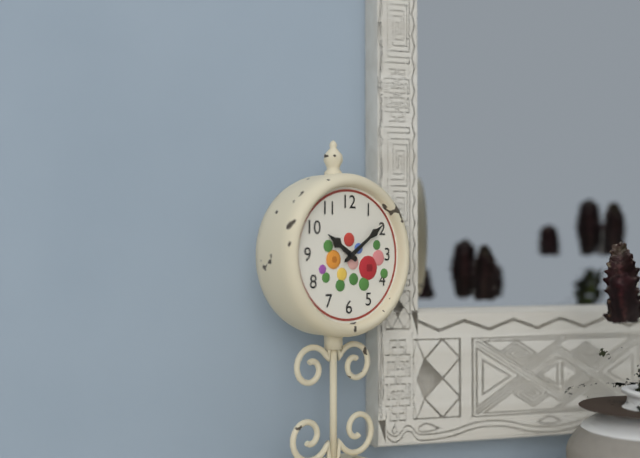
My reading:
**10:09**
